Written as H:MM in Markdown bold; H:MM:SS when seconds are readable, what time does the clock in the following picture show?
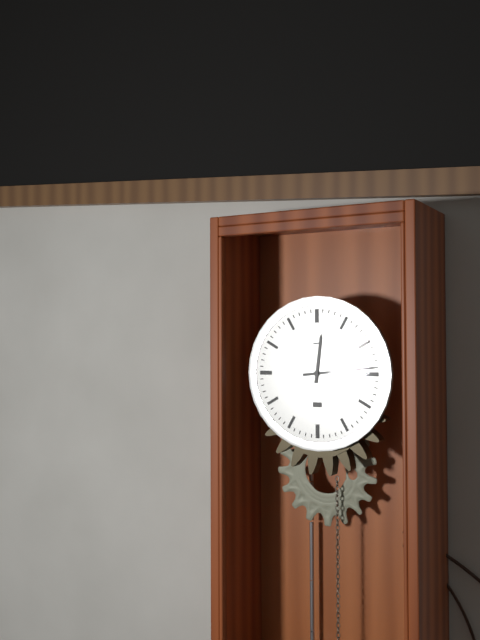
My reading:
**12:14**
